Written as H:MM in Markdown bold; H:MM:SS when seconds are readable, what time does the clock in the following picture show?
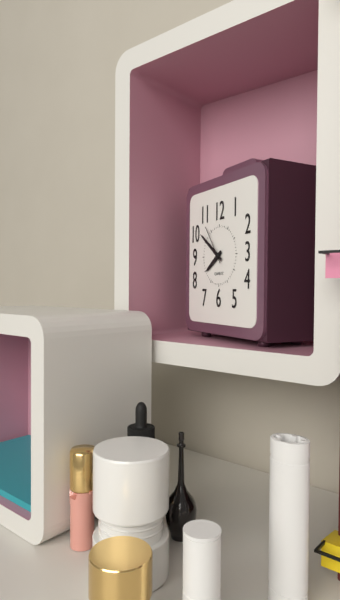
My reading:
**7:51**
